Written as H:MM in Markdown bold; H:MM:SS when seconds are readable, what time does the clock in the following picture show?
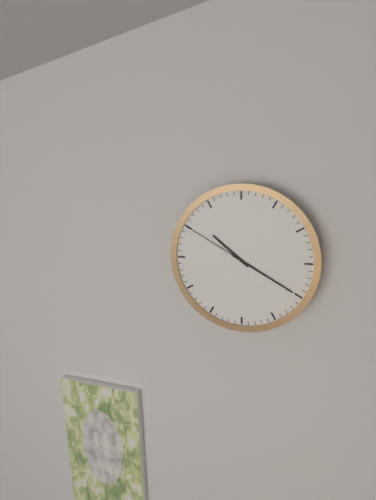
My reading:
**10:20:50**
